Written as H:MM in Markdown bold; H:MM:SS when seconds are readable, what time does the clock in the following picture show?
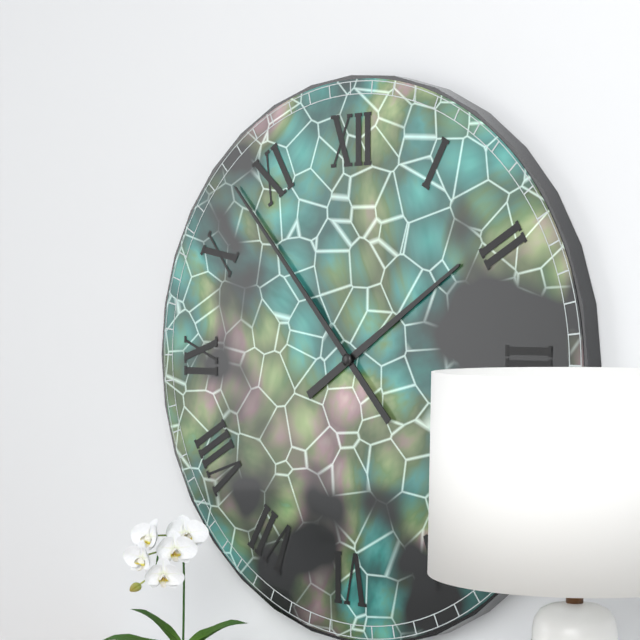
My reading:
**1:53**
